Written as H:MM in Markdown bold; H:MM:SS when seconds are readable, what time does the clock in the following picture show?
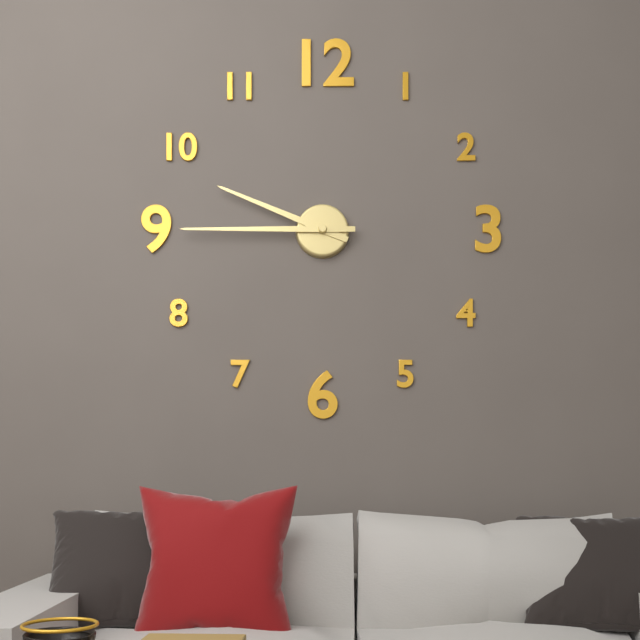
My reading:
**9:45**
